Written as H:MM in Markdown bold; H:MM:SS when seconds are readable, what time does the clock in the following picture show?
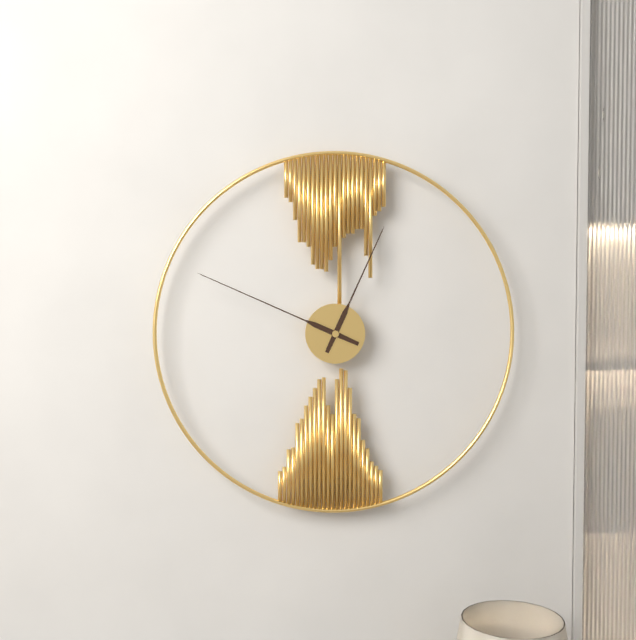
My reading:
**12:49**
